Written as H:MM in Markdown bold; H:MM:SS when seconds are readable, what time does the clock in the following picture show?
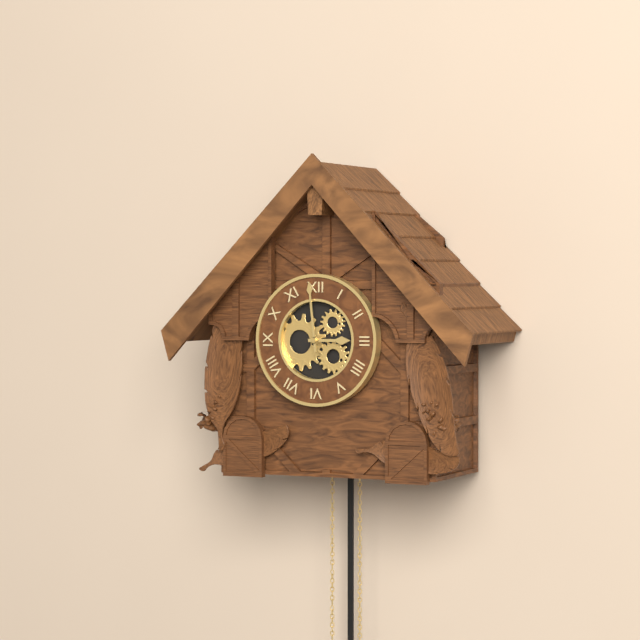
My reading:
**2:59**
